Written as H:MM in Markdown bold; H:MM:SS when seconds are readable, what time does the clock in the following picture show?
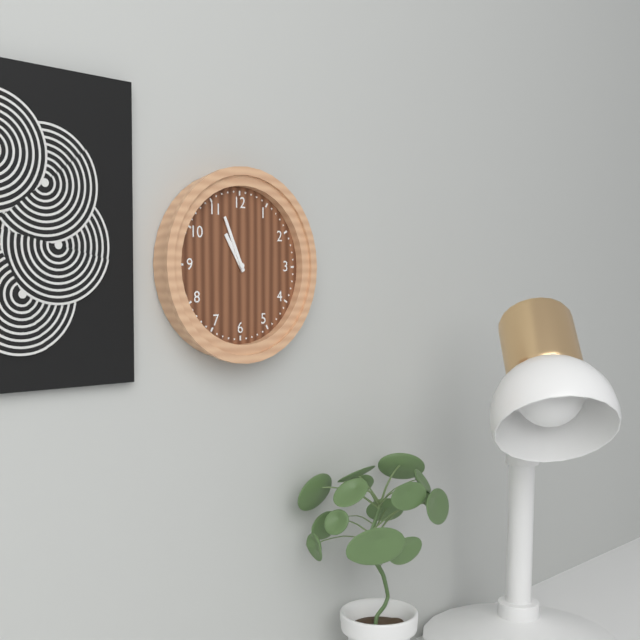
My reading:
**10:56**
